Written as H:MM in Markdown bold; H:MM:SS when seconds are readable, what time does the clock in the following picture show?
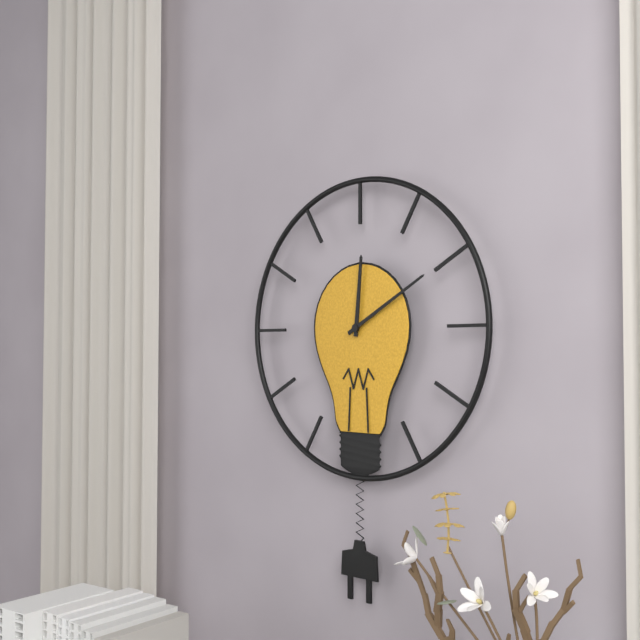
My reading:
**12:10**
